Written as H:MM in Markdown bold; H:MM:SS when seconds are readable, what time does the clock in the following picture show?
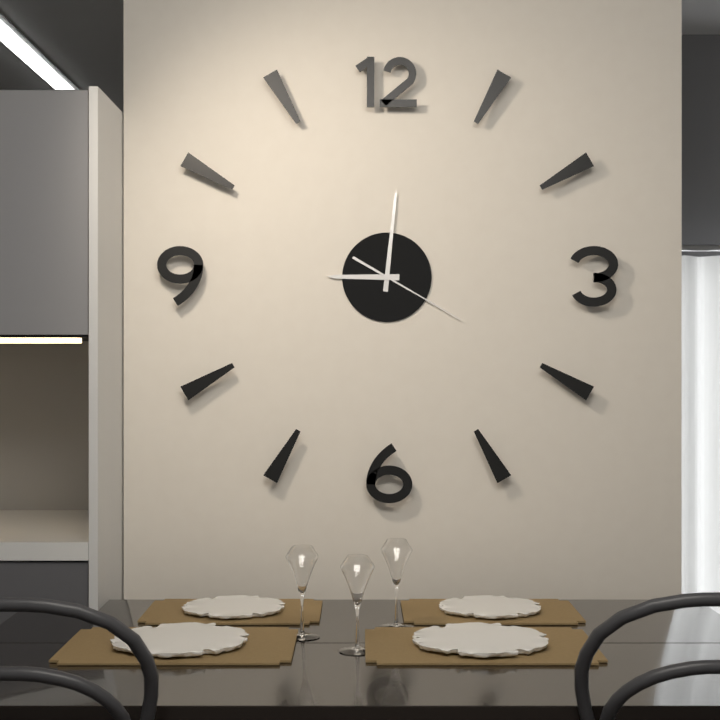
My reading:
**9:01:20**
